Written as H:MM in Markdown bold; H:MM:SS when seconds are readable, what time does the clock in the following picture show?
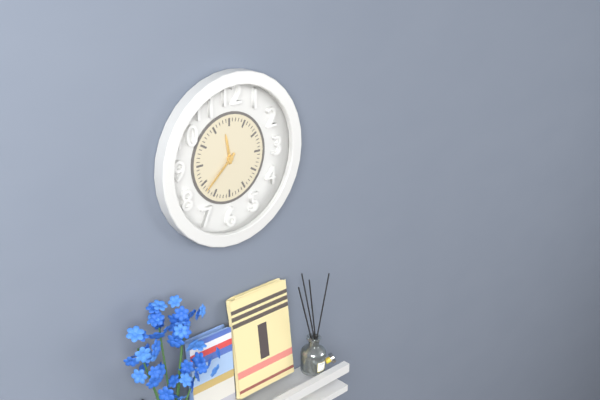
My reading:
**11:38**
